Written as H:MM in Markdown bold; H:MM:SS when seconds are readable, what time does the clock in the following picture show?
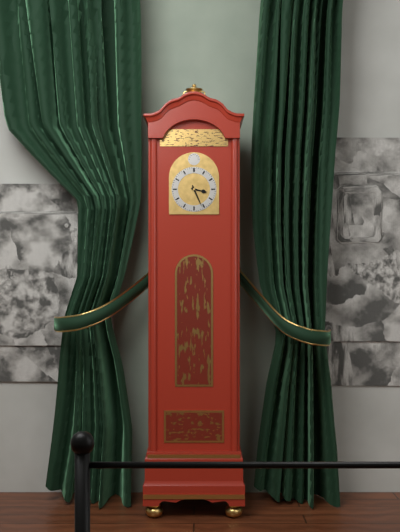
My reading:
**3:26**
